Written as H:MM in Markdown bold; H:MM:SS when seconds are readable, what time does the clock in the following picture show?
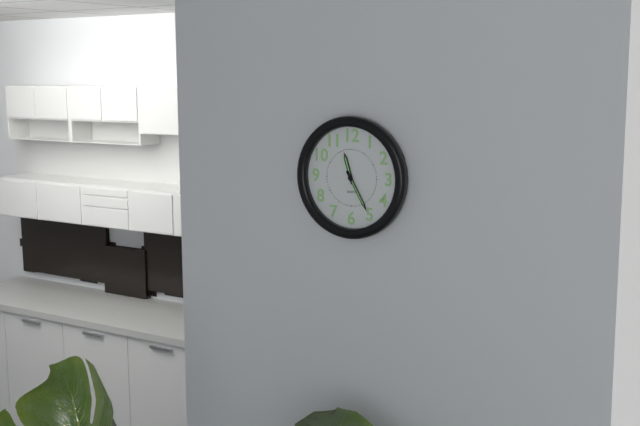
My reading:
**11:25**
